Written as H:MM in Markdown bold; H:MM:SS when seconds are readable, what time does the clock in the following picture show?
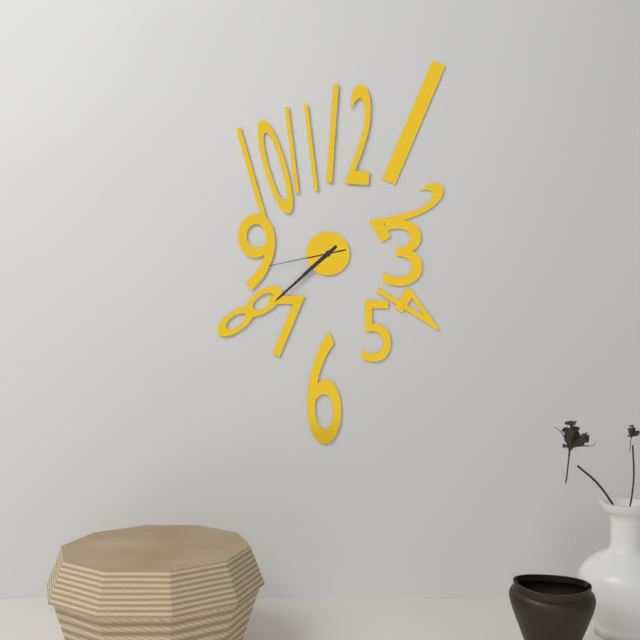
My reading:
**7:38:43**
